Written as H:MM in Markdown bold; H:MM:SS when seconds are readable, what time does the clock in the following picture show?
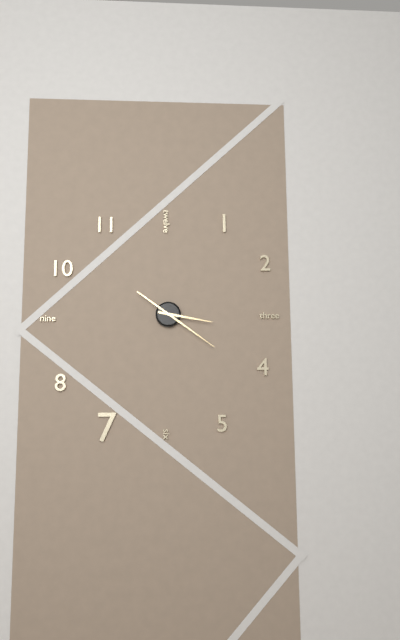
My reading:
**3:21**
